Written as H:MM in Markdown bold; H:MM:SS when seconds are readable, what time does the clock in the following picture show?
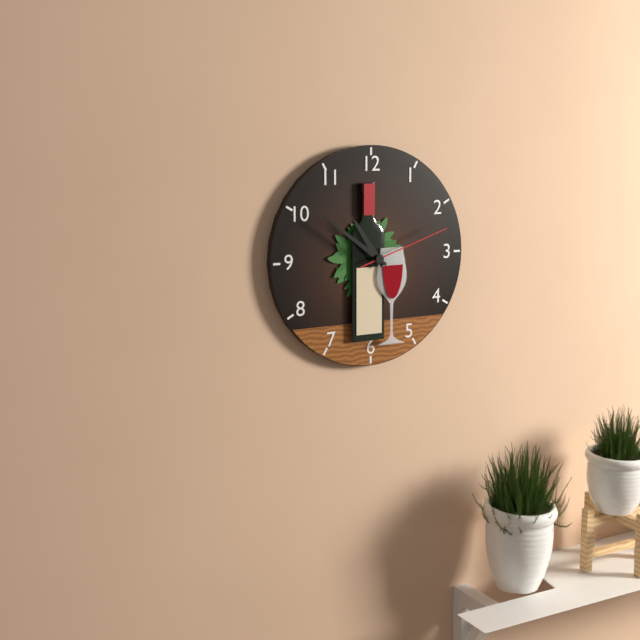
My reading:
**10:51:12**
